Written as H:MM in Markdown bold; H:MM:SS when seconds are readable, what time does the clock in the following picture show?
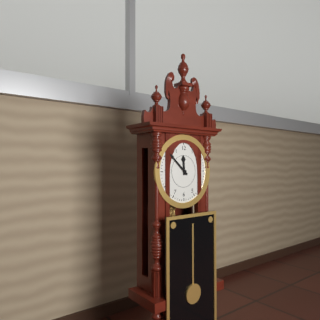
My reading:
**11:52**
